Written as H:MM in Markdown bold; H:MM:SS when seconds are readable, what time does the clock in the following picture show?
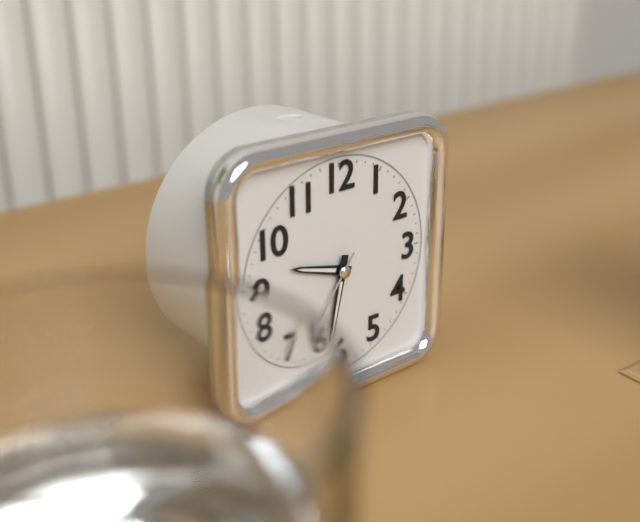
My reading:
**9:32:36**
